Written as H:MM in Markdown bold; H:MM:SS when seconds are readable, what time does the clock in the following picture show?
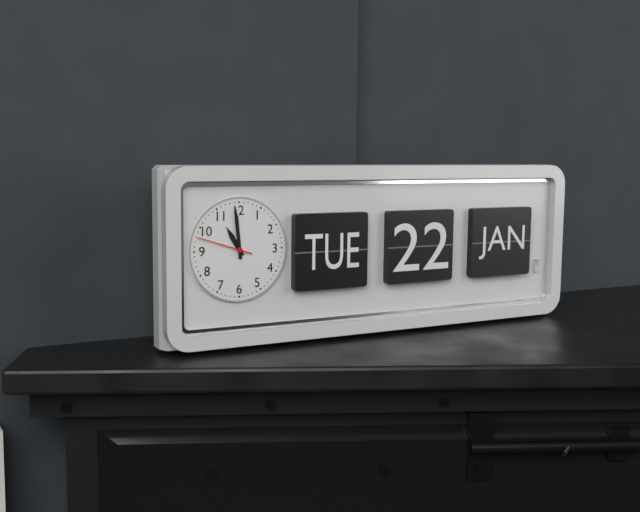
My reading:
**10:59:48**
